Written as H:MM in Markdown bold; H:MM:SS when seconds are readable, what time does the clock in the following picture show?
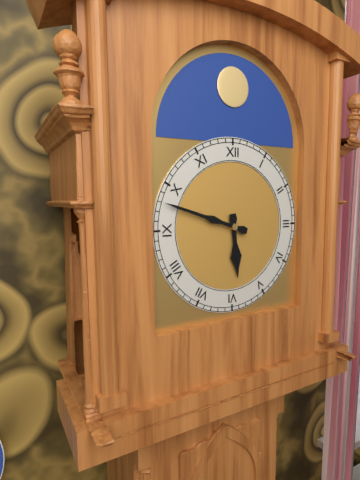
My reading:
**5:48**
